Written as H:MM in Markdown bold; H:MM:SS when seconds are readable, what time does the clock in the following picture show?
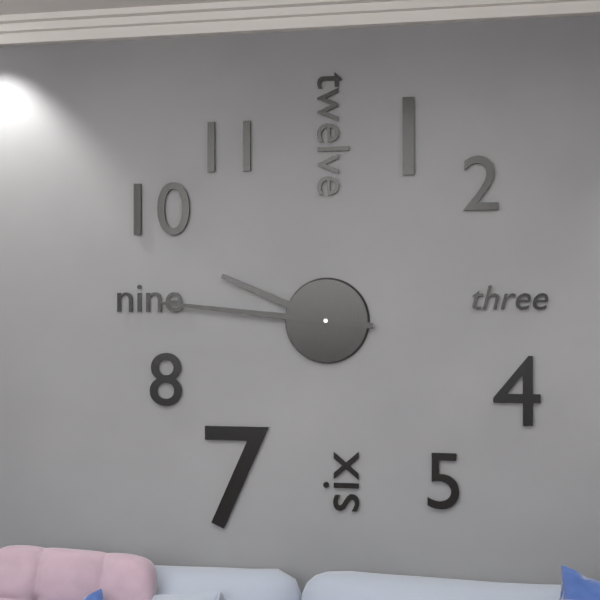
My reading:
**9:46**
